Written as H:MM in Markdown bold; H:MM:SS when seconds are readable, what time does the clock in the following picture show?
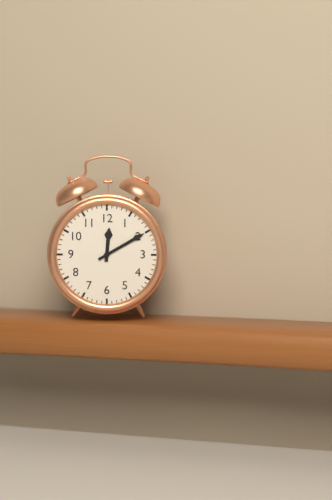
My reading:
**12:10**
